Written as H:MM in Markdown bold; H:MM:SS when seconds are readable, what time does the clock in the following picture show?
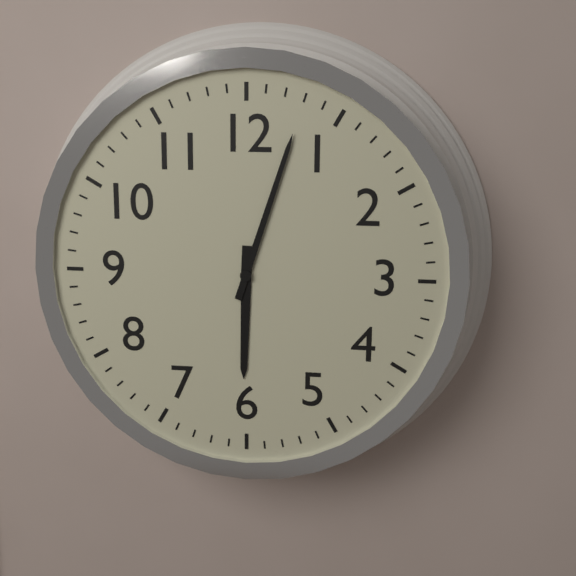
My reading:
**6:03**
